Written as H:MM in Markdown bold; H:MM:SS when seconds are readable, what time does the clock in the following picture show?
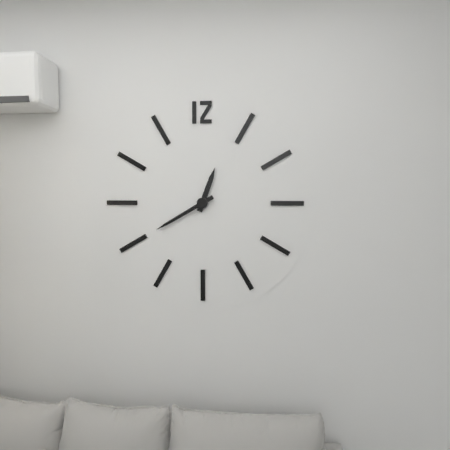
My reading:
**12:40**
